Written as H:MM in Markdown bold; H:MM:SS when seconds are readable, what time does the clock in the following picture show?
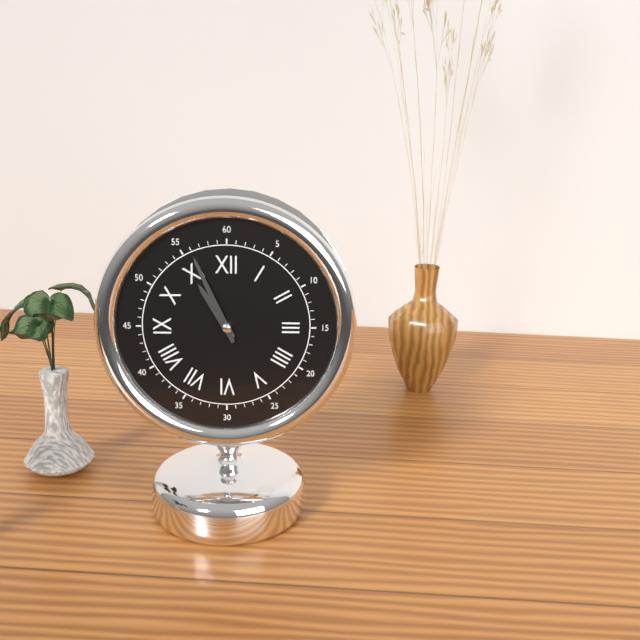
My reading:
**10:56**
